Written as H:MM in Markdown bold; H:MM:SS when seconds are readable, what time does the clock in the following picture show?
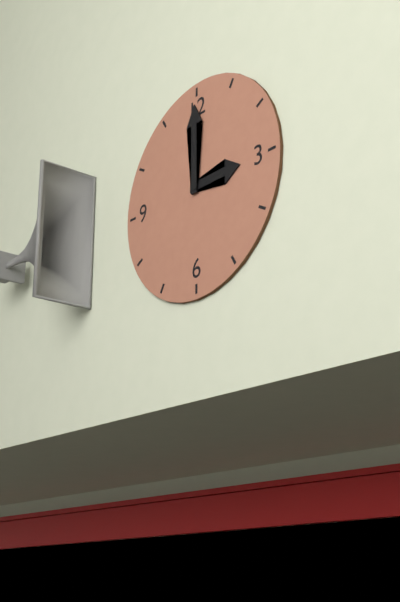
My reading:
**3:00**
